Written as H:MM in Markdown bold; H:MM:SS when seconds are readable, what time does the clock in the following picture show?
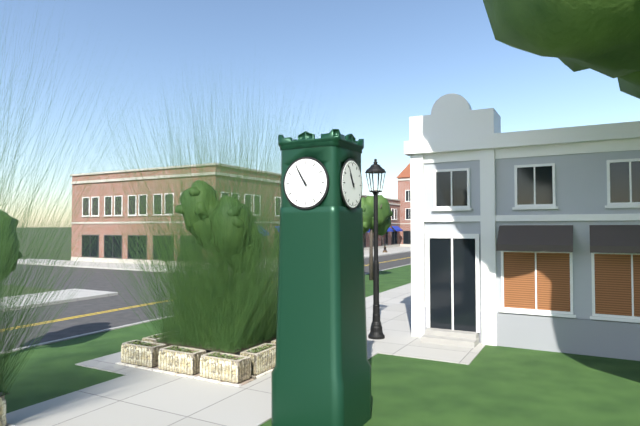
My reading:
**10:55**
